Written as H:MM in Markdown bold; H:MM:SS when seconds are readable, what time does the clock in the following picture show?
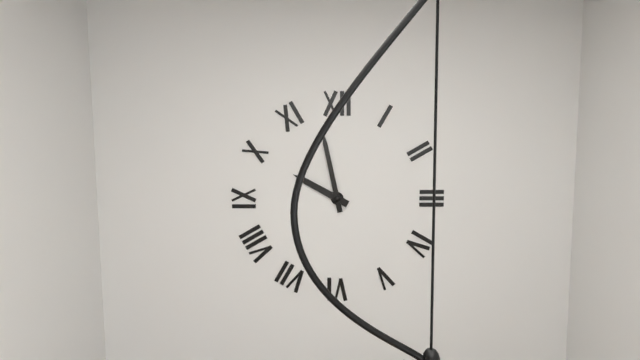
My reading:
**9:58**
